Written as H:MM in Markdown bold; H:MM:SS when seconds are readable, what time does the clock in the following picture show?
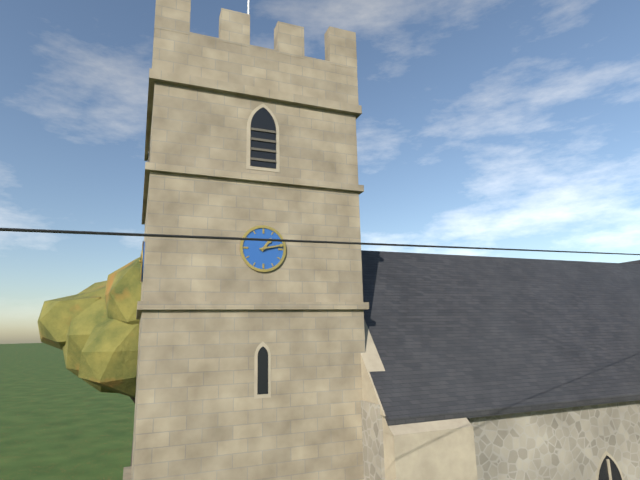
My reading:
**1:13**
